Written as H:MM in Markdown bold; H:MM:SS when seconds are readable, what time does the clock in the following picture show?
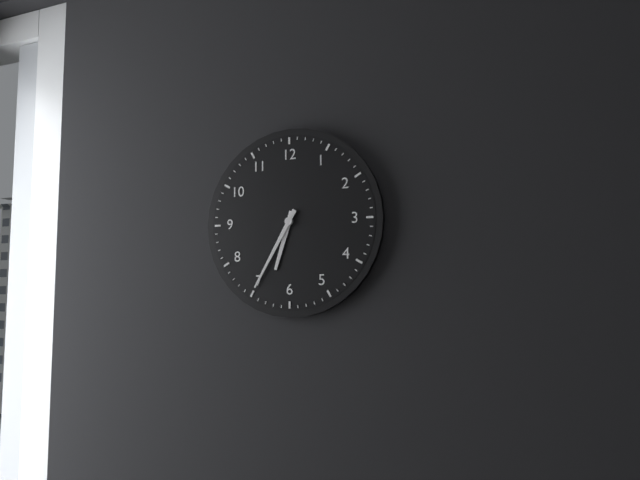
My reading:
**6:35**
